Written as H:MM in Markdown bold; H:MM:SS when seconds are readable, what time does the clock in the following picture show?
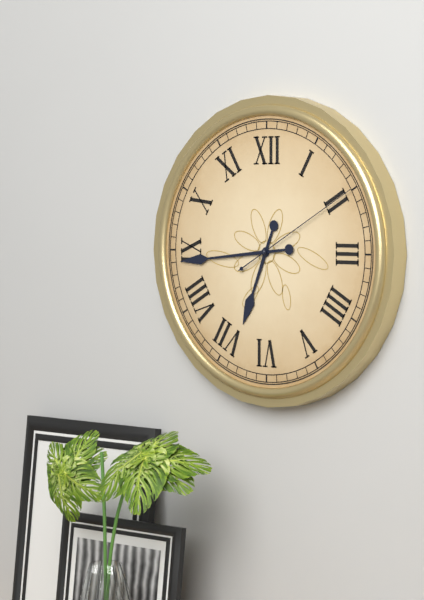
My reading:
**6:44:10**
